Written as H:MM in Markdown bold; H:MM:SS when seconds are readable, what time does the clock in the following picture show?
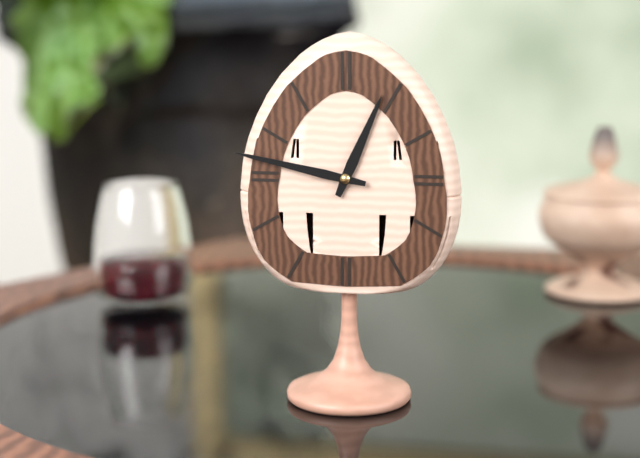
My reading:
**12:47**
